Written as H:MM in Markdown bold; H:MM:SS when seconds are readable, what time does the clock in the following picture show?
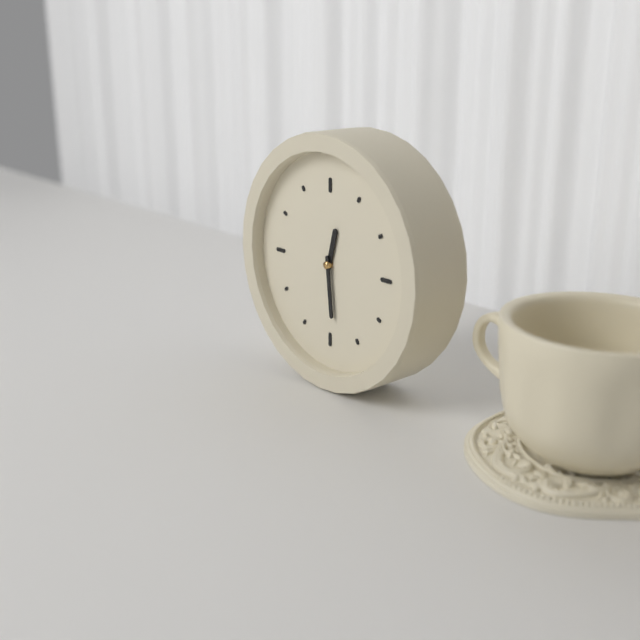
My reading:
**12:29**
